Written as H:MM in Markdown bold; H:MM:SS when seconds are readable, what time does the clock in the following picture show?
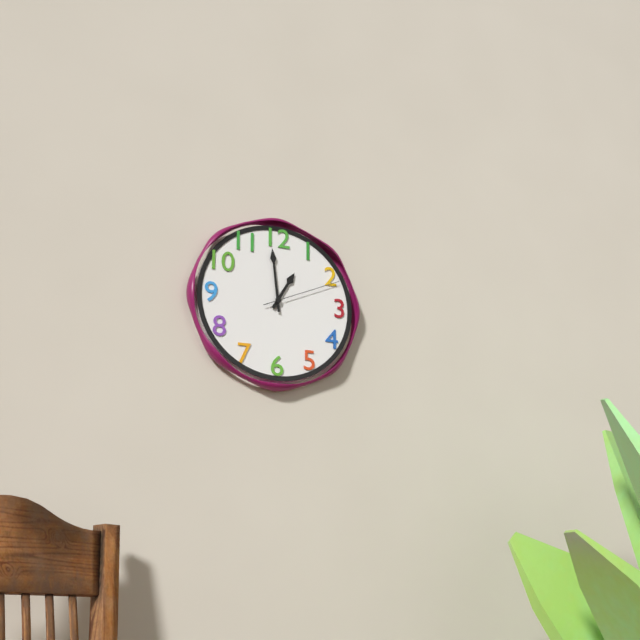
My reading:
**12:59:11**
